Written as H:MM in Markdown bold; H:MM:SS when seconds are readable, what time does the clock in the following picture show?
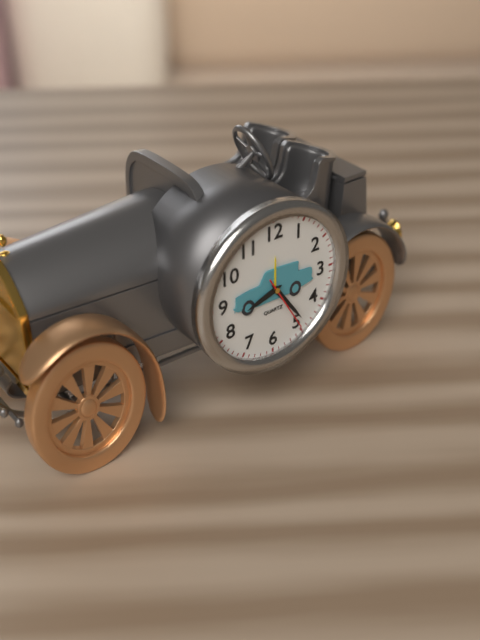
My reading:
**8:24:25**
